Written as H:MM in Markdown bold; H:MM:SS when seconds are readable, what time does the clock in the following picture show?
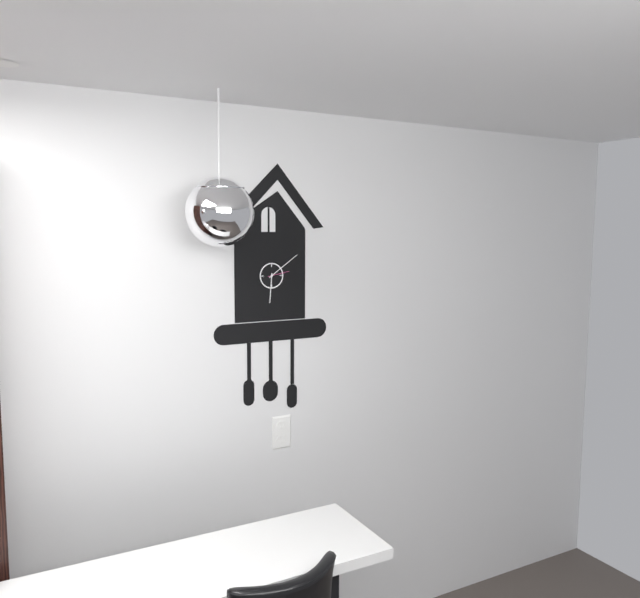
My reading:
**6:09**
